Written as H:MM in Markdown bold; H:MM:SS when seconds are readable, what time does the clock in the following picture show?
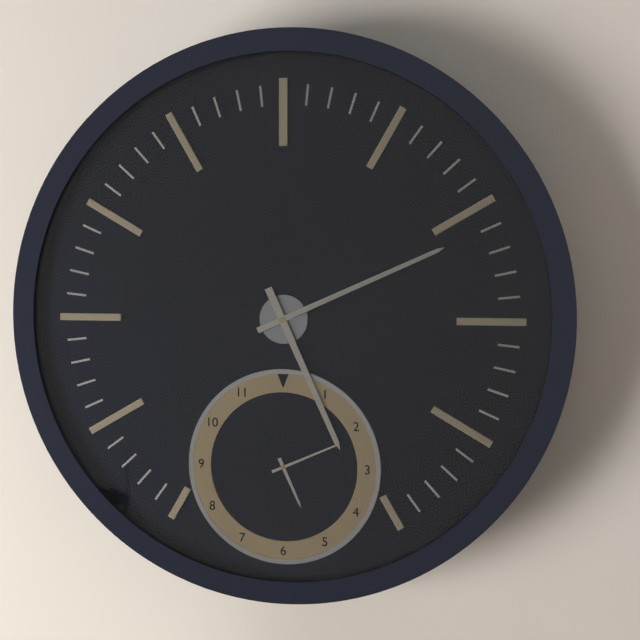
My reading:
**5:11**
